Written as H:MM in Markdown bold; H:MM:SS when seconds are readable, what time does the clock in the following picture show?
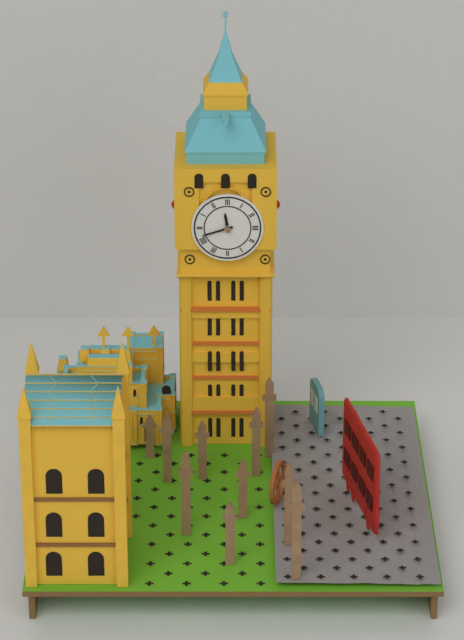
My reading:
**11:42**
